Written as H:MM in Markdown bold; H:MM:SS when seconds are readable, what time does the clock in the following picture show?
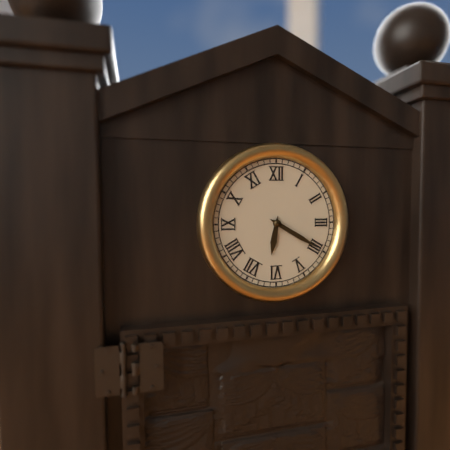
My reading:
**6:20**
